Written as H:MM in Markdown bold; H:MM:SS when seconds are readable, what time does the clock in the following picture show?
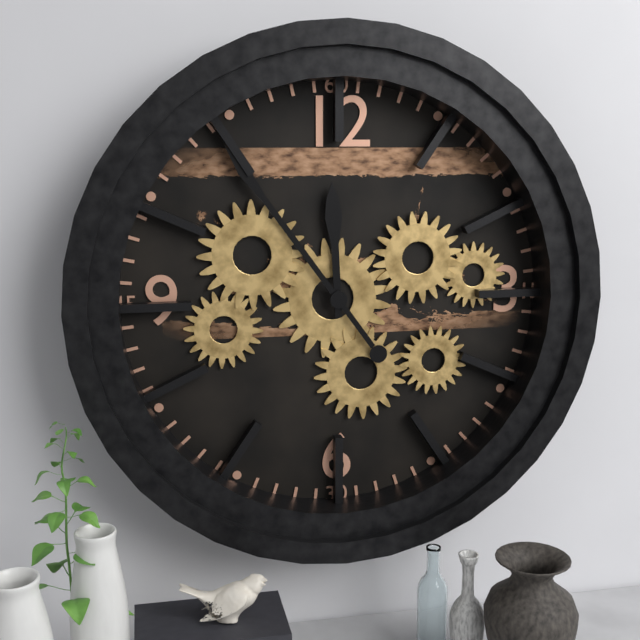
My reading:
**11:54**
